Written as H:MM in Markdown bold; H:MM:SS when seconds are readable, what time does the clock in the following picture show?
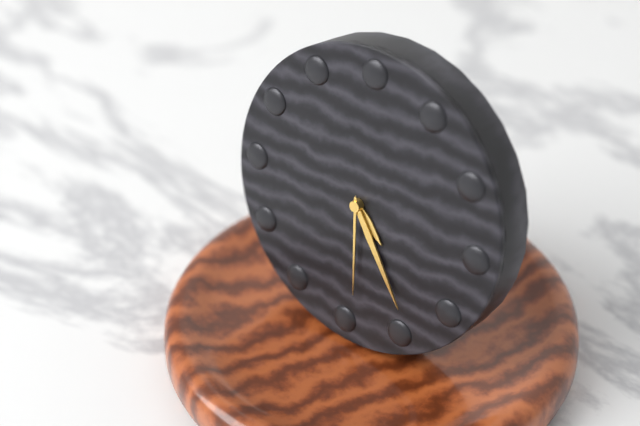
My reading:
**4:24:29**
